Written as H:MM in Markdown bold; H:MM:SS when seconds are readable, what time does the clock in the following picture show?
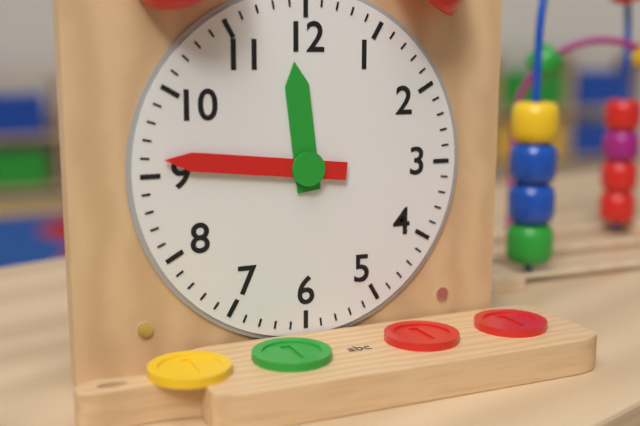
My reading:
**11:46**
